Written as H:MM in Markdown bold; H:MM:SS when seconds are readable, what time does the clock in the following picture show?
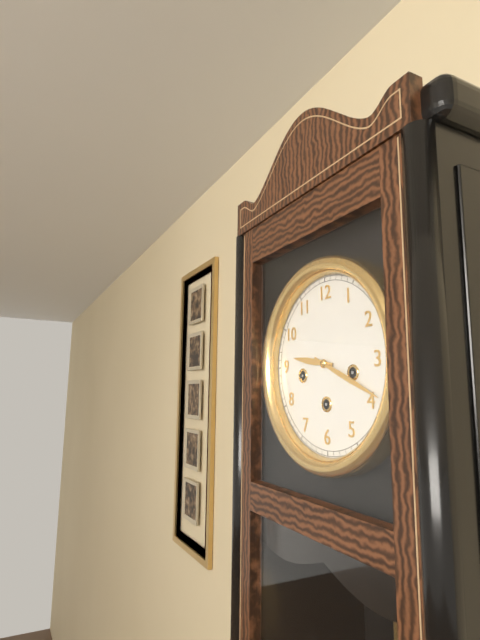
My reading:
**9:19**
